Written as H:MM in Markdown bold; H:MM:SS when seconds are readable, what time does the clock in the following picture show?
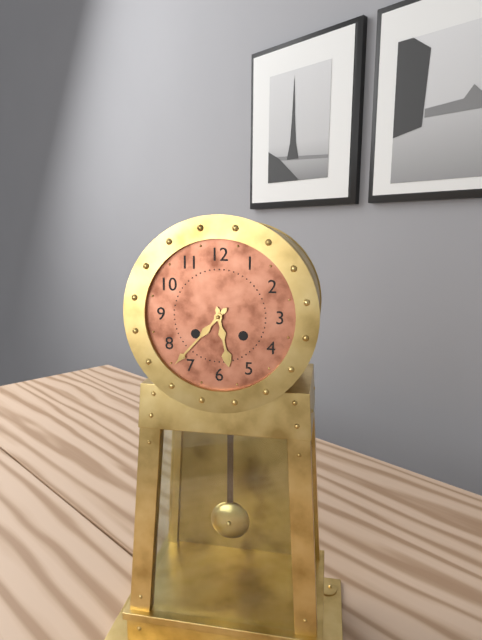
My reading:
**5:37**
